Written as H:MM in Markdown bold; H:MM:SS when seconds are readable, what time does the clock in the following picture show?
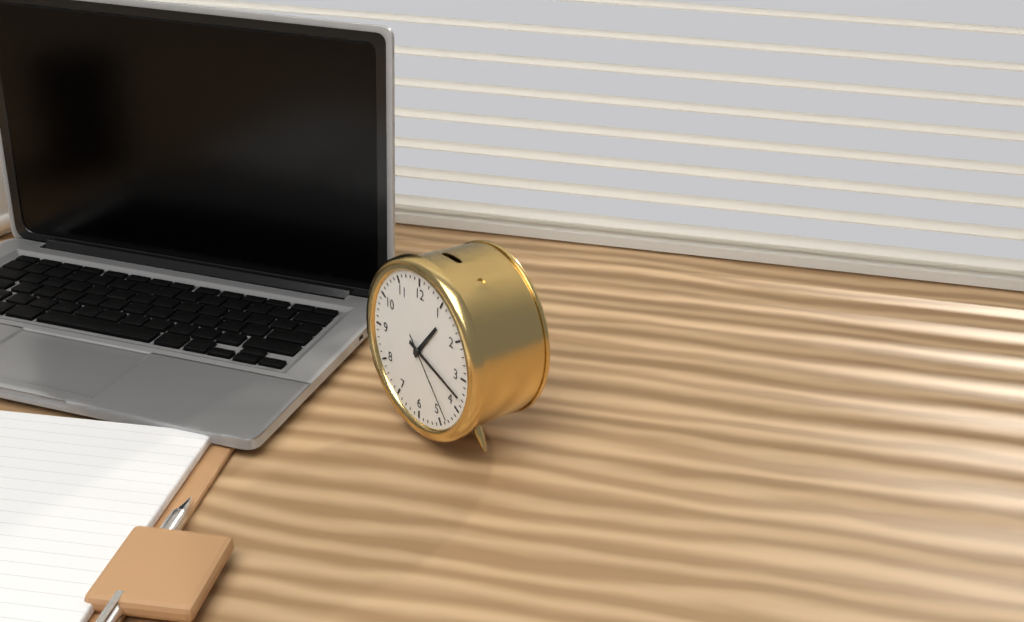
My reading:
**1:18:23**
